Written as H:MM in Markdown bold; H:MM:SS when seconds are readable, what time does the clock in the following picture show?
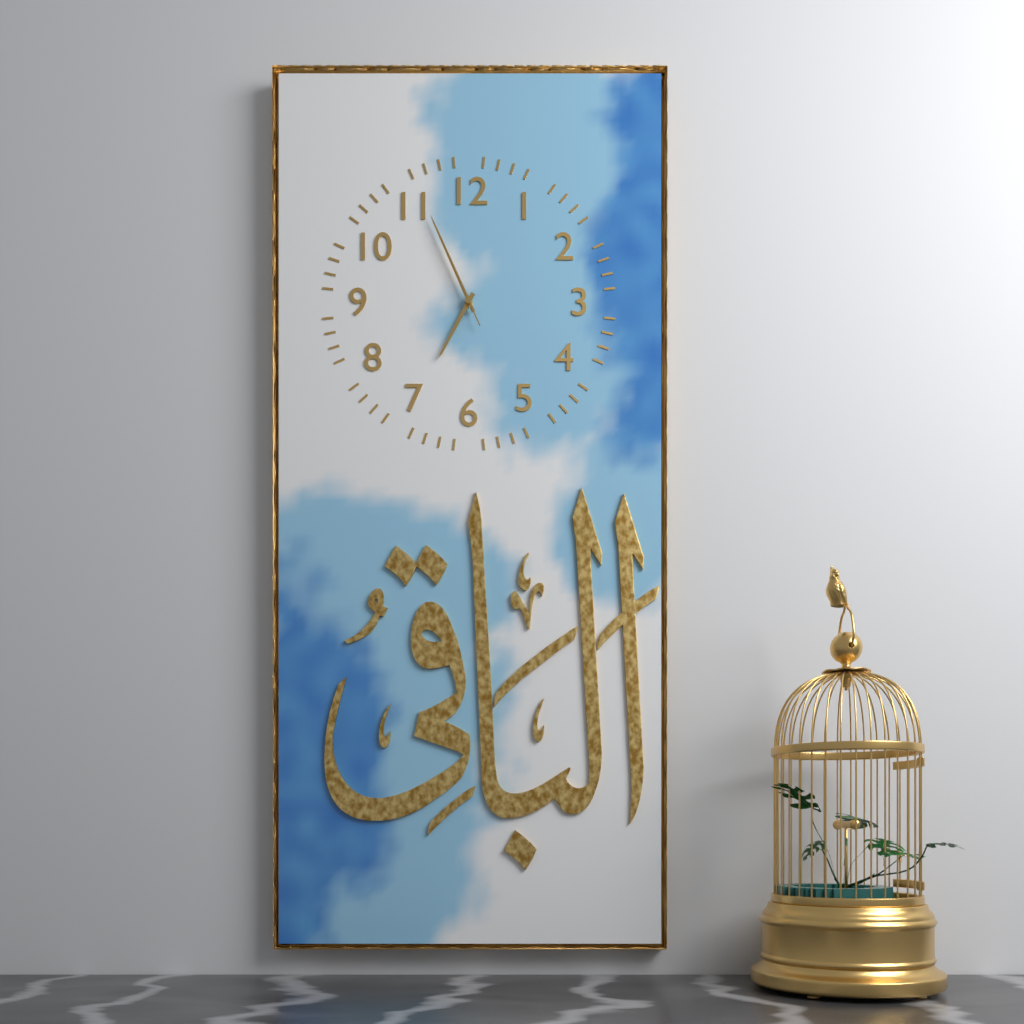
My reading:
**6:56:56**
